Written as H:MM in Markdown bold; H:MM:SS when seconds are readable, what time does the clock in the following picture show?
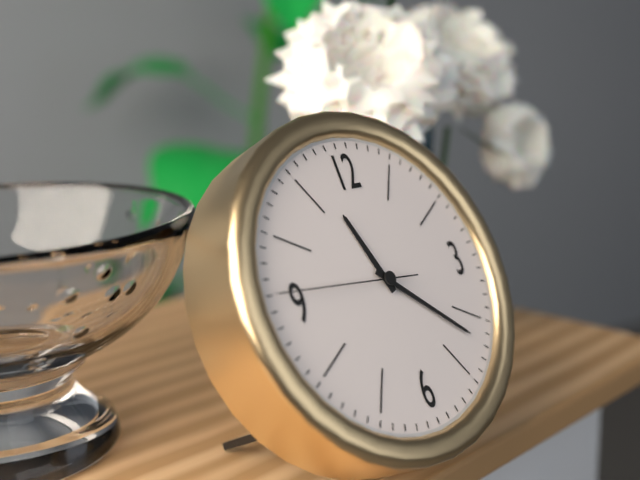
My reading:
**11:22:46**
